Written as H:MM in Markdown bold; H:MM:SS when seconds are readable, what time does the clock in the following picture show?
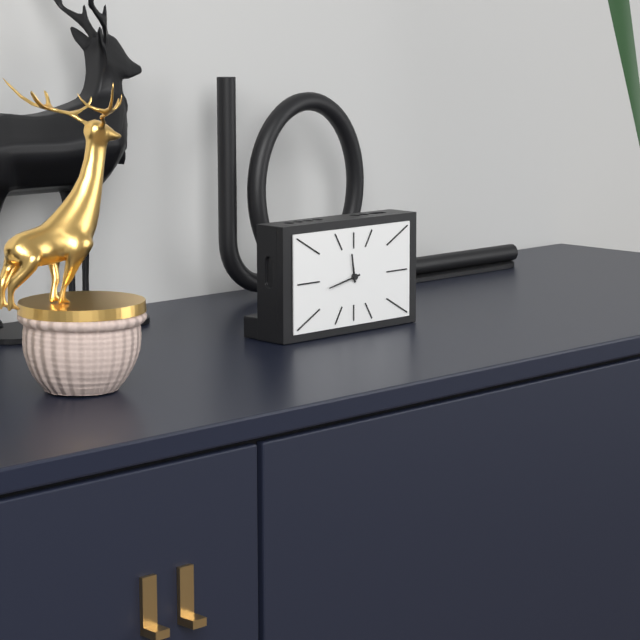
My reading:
**11:43**
